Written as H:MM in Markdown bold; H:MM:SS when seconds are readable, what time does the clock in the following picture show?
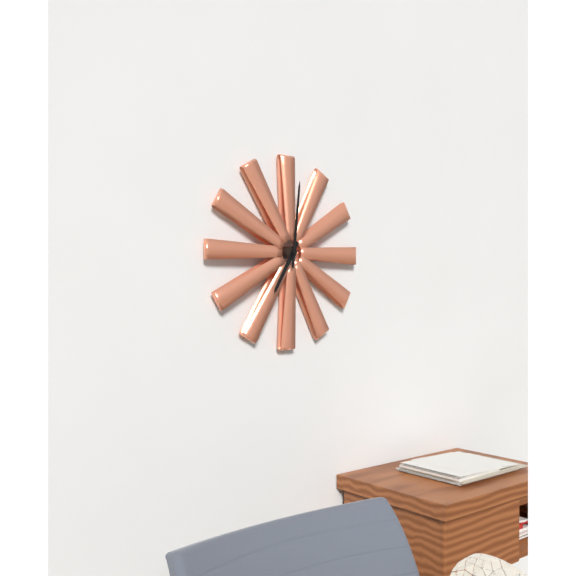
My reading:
**7:01**
